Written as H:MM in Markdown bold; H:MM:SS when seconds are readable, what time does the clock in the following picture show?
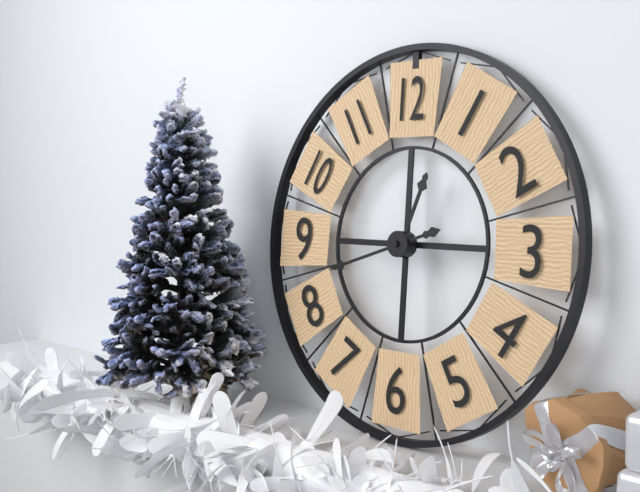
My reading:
**12:42**
